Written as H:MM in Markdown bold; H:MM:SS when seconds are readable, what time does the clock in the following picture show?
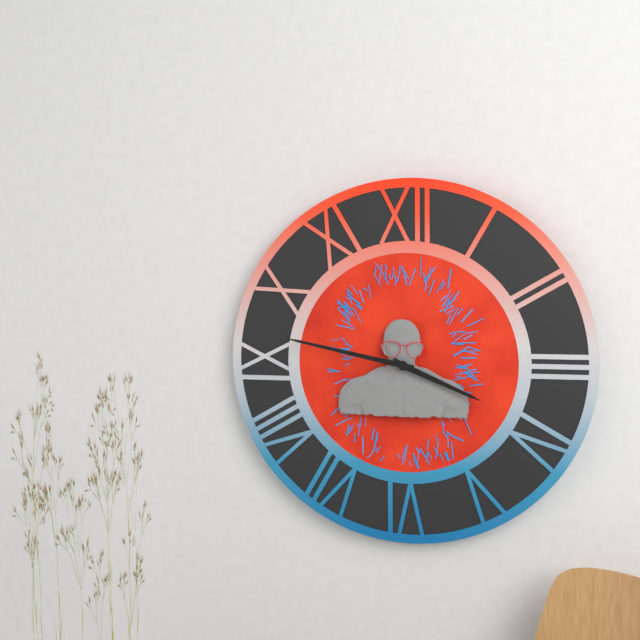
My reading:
**3:47**
